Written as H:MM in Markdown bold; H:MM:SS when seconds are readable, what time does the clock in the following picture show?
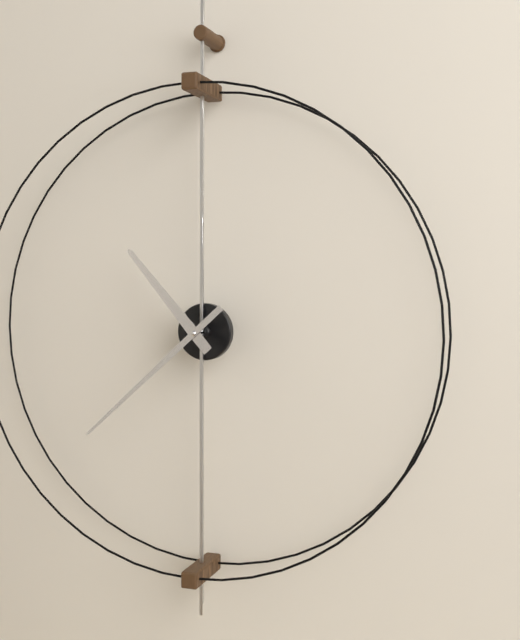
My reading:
**10:38**
